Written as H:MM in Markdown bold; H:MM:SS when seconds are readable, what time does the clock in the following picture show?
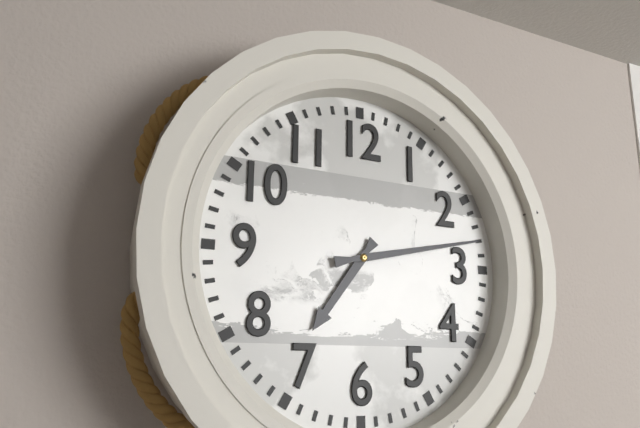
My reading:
**7:13**
